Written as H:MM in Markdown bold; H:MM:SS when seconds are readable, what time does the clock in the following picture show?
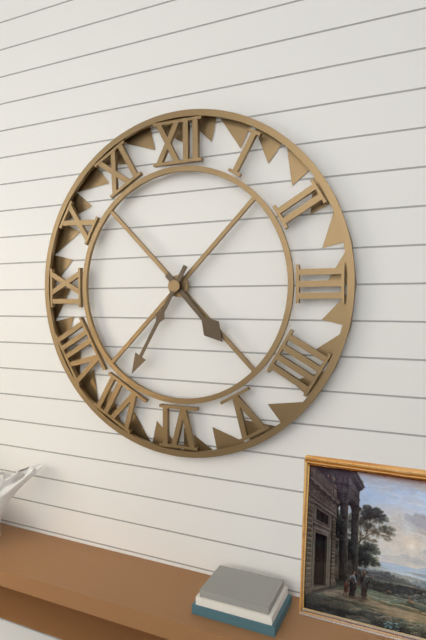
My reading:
**4:35**
